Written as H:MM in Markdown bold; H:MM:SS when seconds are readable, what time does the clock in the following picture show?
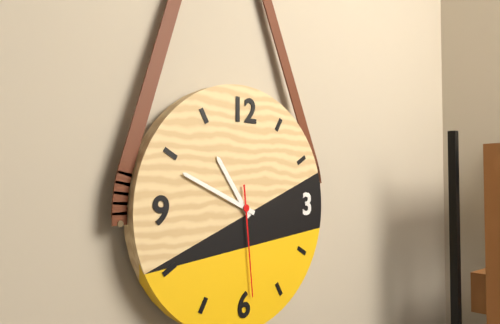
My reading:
**10:49:29**
